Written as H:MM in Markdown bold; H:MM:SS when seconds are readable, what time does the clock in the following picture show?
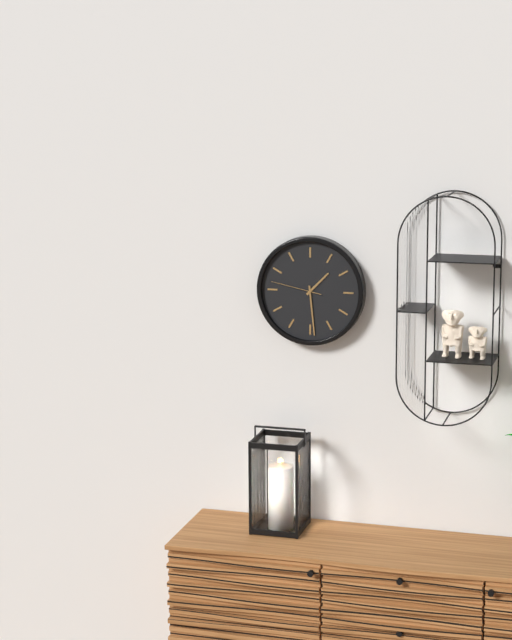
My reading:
**1:29:47**
